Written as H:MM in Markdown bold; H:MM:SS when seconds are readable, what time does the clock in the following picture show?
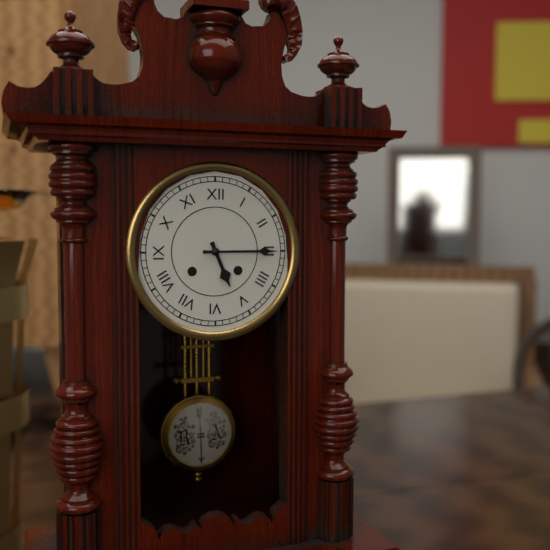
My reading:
**5:15**
